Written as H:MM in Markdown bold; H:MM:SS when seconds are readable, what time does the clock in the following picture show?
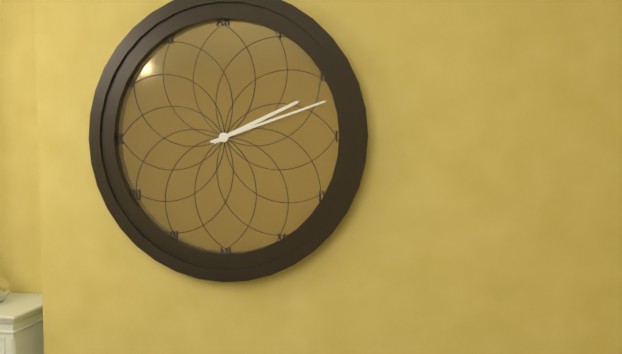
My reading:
**2:12**
